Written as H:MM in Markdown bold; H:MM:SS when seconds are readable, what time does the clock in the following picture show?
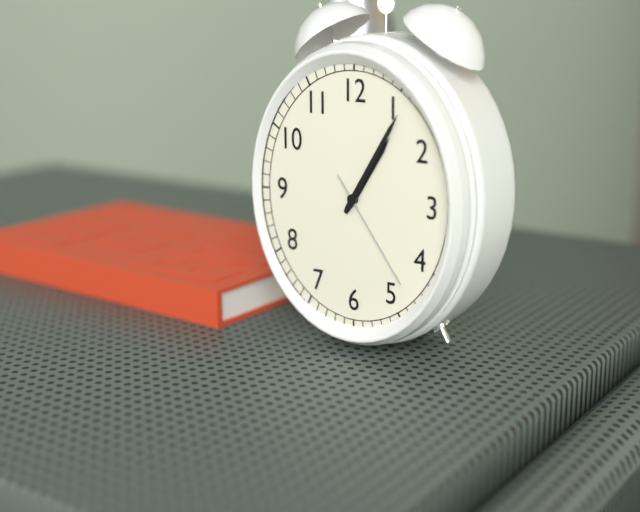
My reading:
**1:05:24**
